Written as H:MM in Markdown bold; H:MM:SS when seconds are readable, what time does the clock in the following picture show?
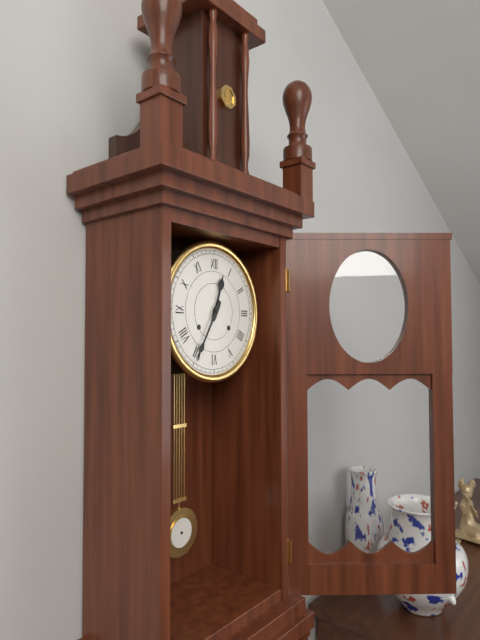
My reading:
**12:35**
